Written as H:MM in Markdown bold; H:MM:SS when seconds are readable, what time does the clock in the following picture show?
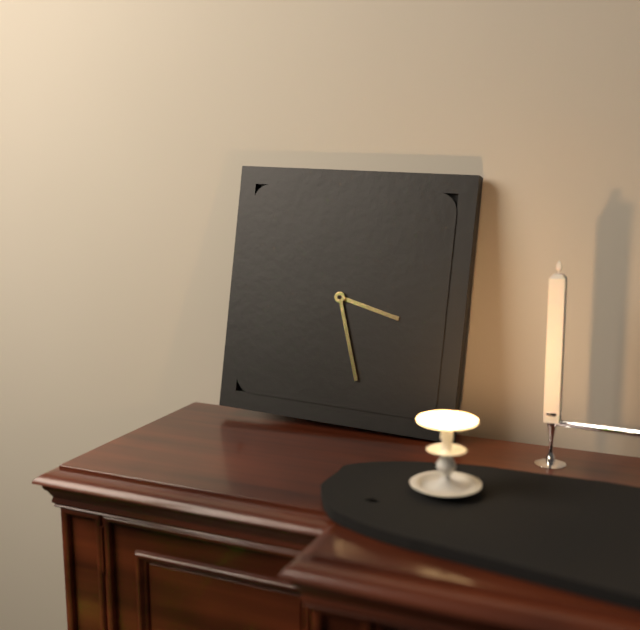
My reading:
**3:27**
